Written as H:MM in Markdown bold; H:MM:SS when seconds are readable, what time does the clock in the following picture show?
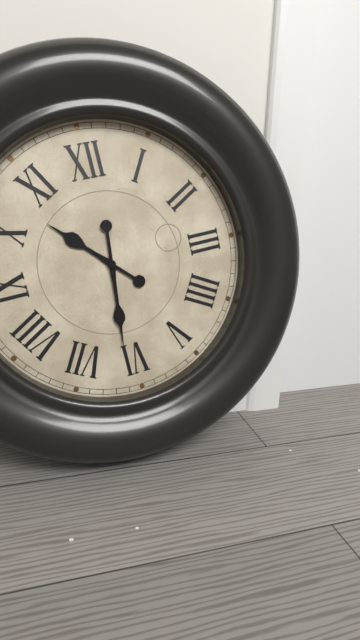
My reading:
**10:31**
